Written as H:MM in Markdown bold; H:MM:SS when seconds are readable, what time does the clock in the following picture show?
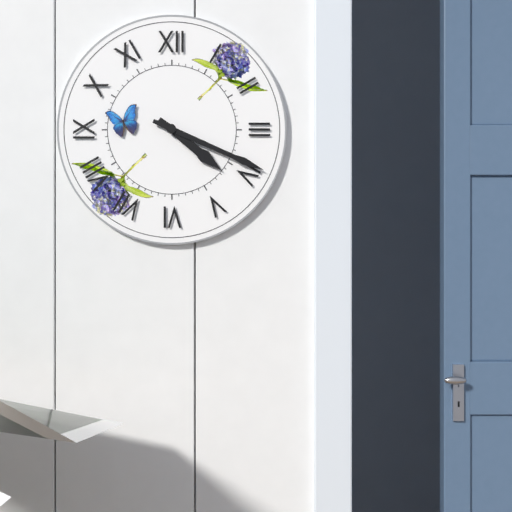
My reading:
**4:19**
